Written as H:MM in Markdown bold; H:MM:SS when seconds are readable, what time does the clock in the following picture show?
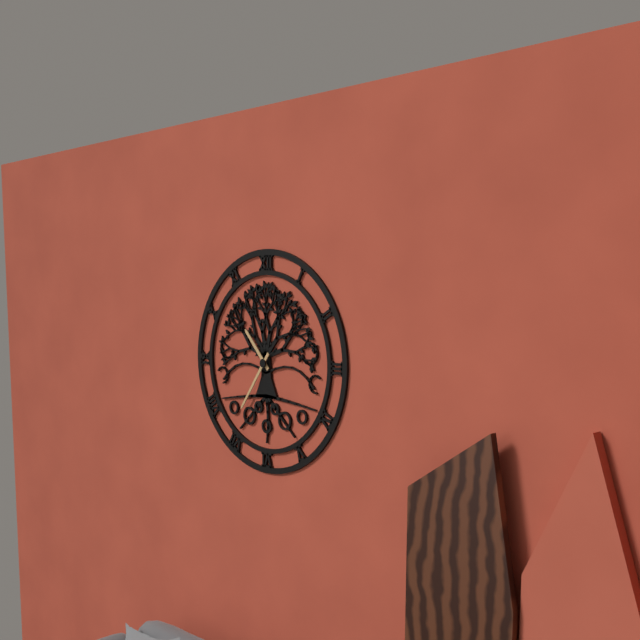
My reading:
**10:36**
